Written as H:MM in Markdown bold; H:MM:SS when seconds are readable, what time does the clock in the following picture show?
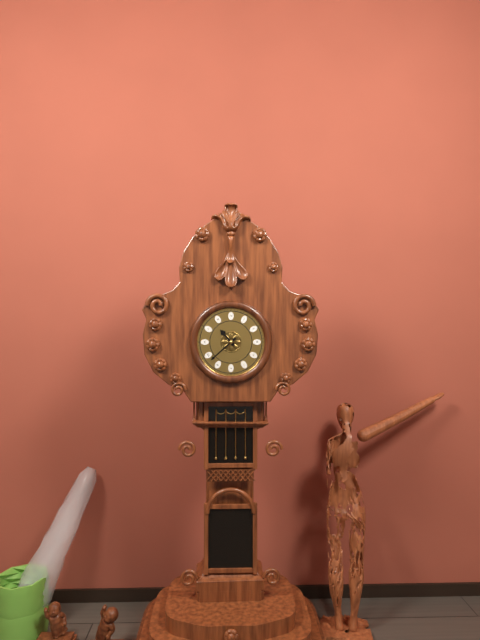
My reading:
**10:38**
